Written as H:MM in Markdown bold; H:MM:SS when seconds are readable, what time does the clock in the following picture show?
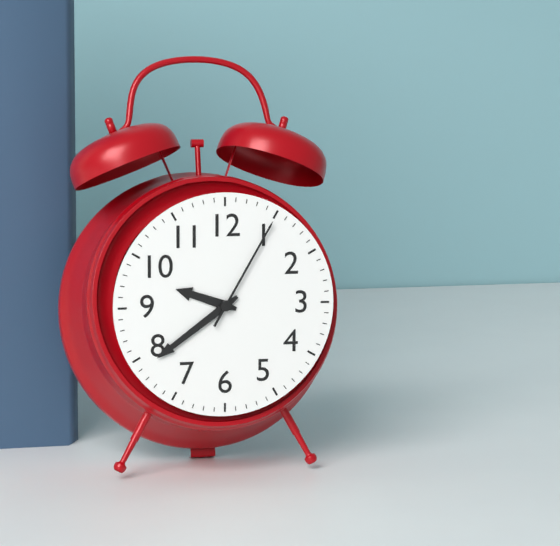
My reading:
**9:39:05**
